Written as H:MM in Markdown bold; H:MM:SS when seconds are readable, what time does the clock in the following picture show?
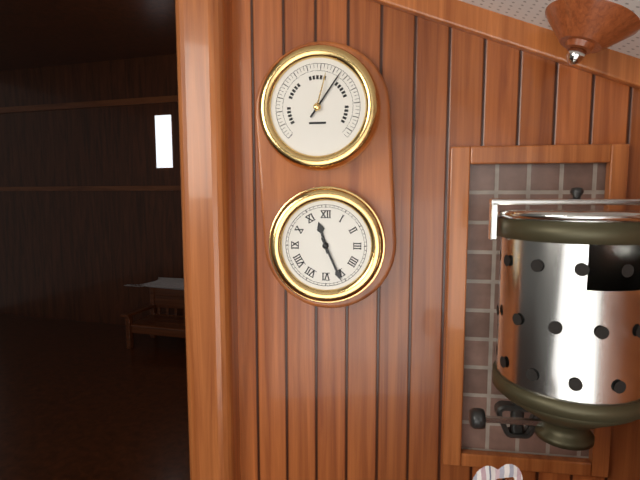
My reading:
**11:26**
